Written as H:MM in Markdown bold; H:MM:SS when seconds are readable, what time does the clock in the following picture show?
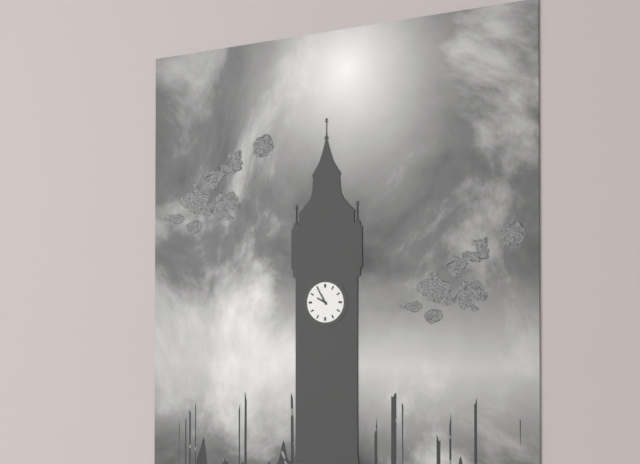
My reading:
**9:55**
